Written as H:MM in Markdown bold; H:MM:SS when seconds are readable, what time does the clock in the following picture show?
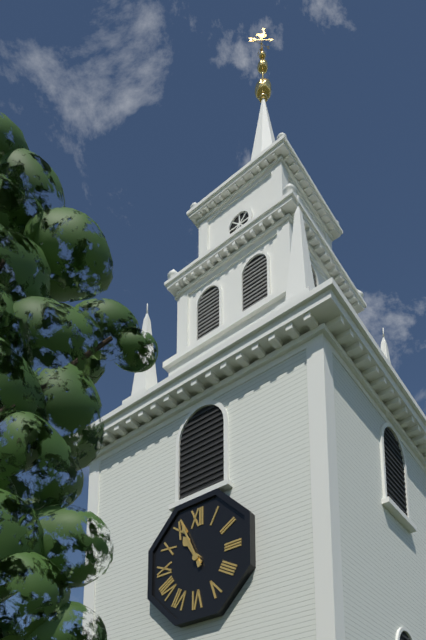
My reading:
**10:56**
